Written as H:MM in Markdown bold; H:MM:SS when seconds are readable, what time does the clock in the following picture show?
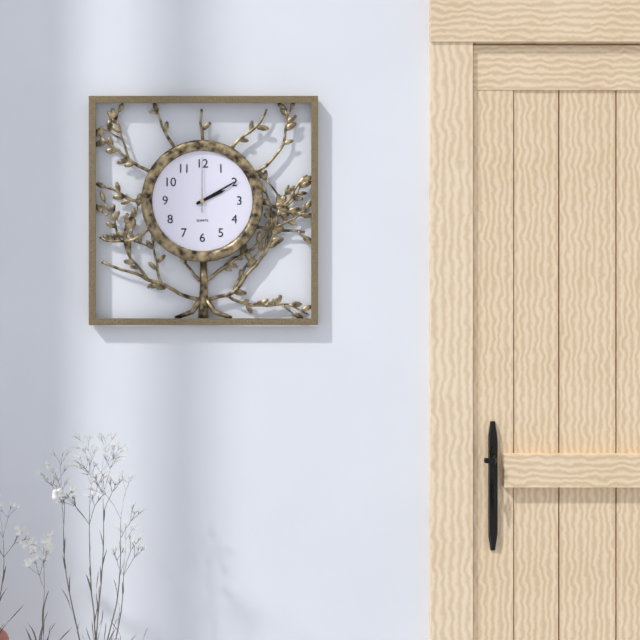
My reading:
**2:10:00**
